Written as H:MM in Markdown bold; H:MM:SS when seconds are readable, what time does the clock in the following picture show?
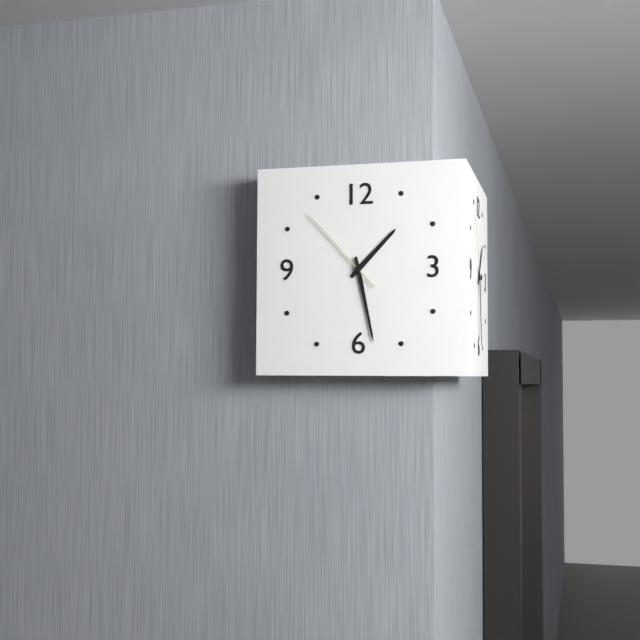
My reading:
**1:28:53**
